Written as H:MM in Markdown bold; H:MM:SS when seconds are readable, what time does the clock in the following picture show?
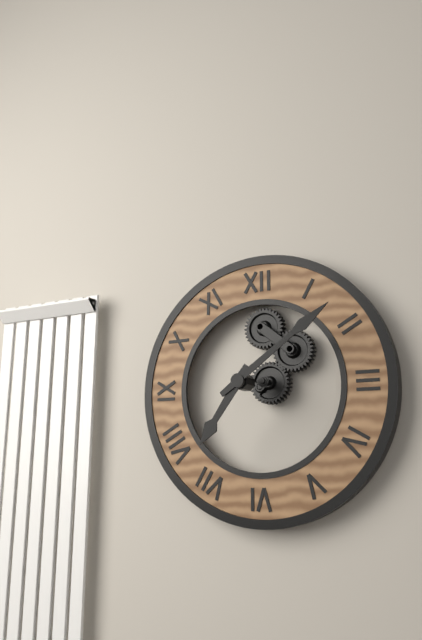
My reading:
**7:09**
